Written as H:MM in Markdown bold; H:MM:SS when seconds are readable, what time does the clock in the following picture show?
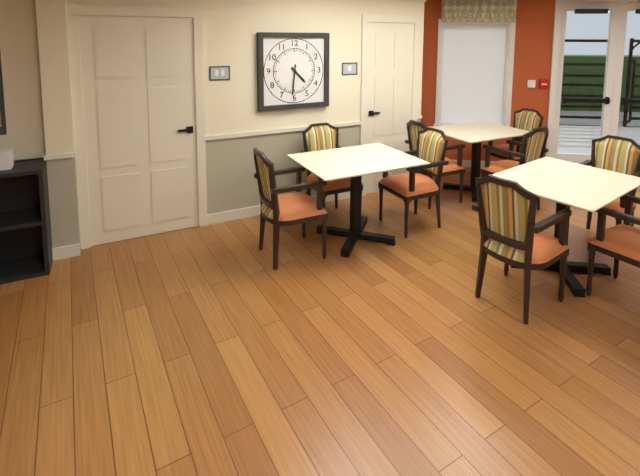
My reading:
**4:31**
